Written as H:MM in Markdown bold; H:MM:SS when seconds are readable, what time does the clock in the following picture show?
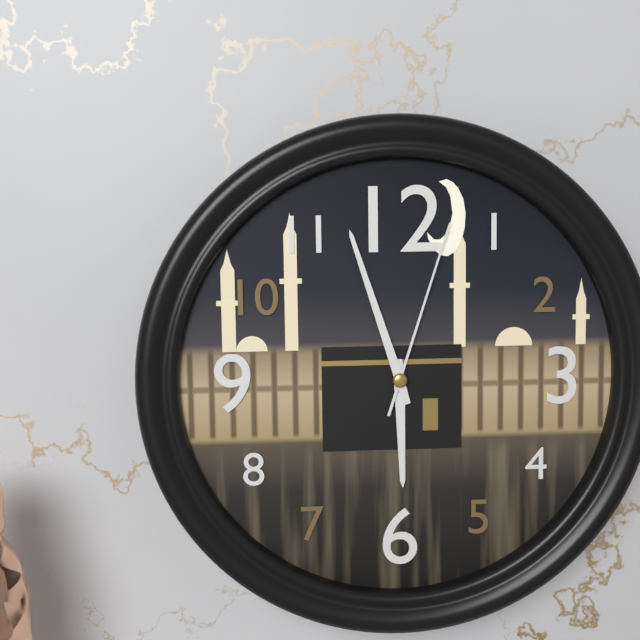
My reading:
**5:57:03**
